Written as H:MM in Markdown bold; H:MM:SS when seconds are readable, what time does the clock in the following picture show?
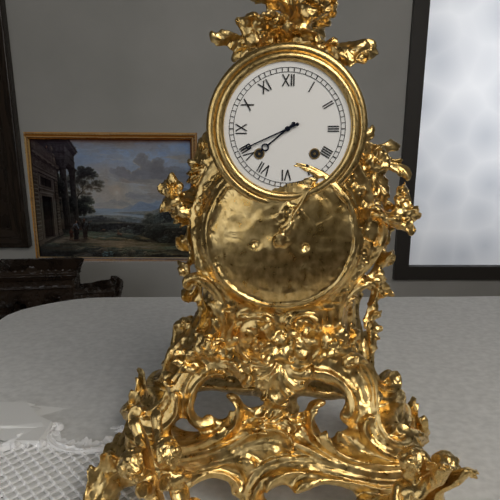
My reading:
**7:41**
